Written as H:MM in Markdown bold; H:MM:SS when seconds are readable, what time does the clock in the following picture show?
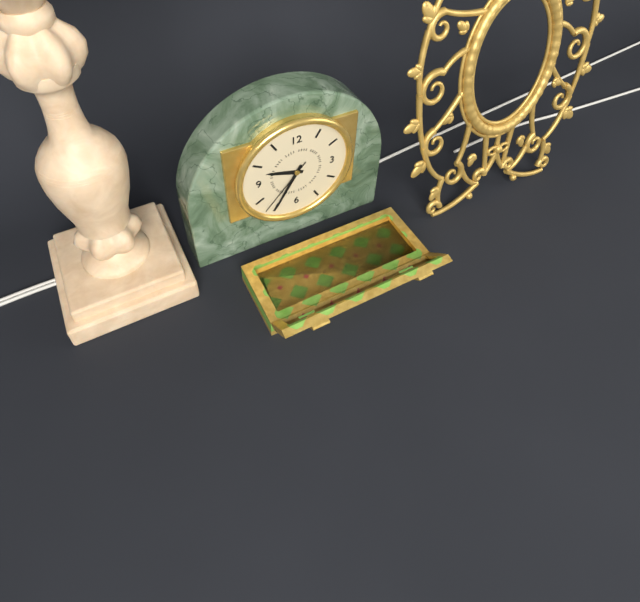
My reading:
**9:35:37**
